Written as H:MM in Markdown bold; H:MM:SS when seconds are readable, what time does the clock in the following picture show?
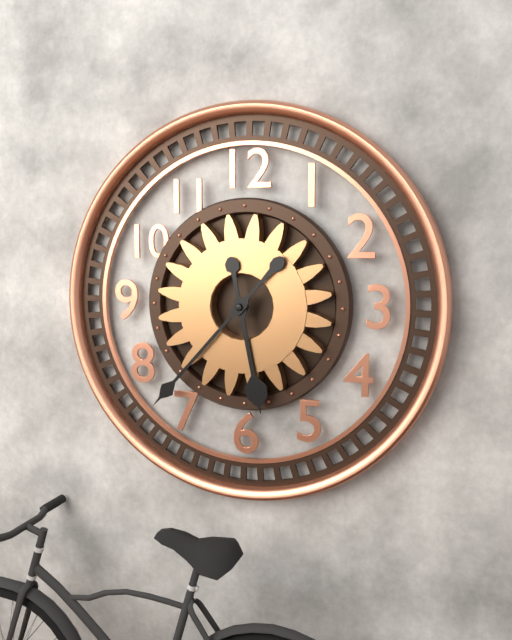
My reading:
**5:37**
